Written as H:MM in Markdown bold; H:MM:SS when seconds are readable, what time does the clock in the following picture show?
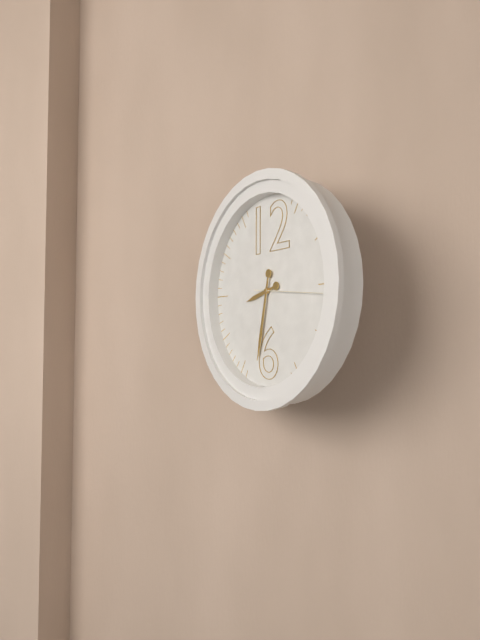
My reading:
**8:32:16**
